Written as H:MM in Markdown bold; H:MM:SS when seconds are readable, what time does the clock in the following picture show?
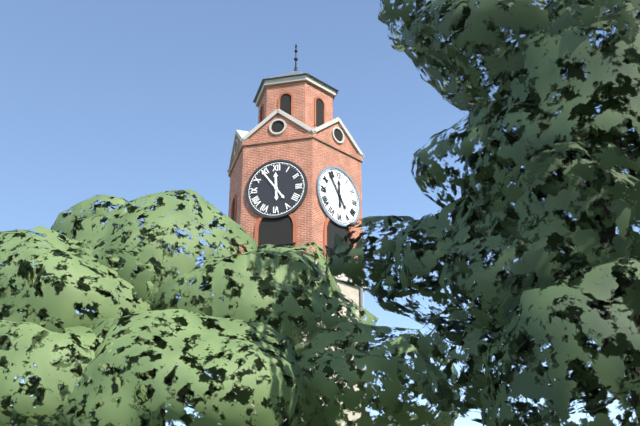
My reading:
**11:54**
